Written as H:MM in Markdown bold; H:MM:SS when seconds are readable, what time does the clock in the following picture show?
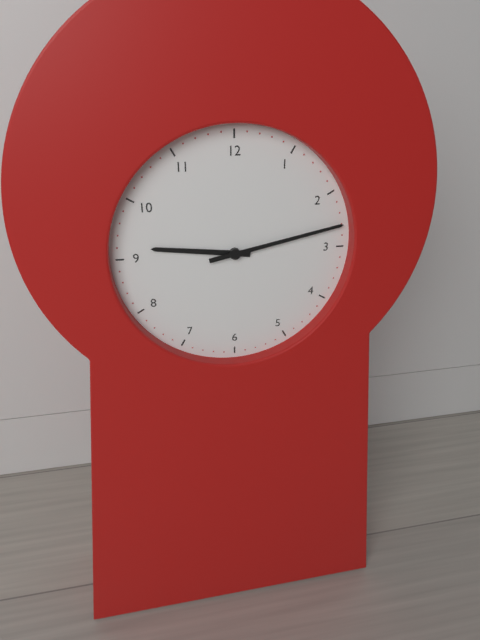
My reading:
**9:13**
